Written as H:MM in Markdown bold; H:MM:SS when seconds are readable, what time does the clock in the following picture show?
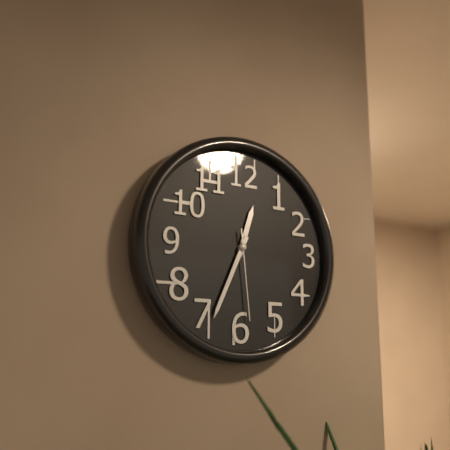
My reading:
**12:34:29**
